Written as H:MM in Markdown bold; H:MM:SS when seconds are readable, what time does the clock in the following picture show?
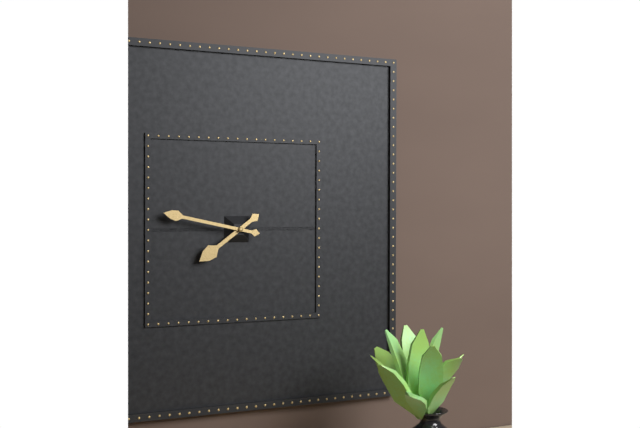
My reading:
**7:47**
